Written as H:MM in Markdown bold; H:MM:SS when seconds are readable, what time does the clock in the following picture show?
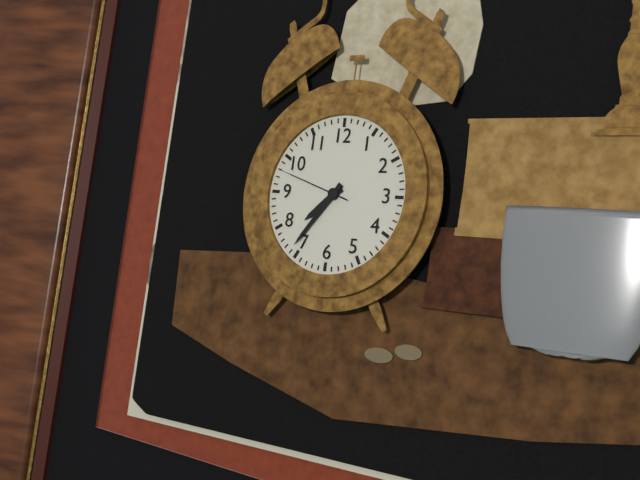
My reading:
**7:36:48**
